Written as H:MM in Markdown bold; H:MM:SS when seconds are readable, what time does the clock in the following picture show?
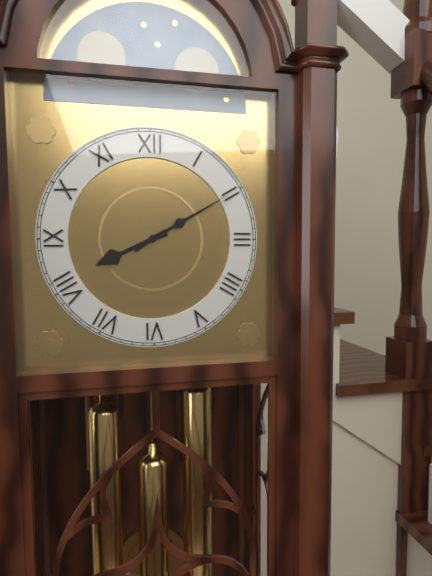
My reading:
**8:10**
